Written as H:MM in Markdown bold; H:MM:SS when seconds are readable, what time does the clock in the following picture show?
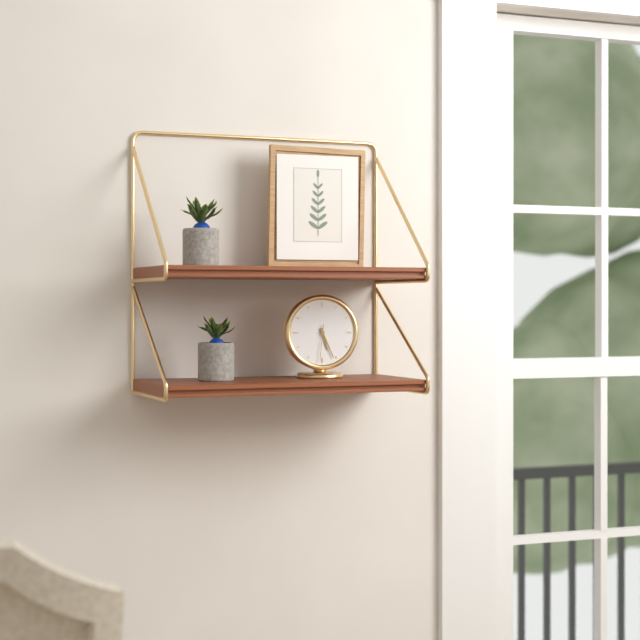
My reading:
**5:26**
